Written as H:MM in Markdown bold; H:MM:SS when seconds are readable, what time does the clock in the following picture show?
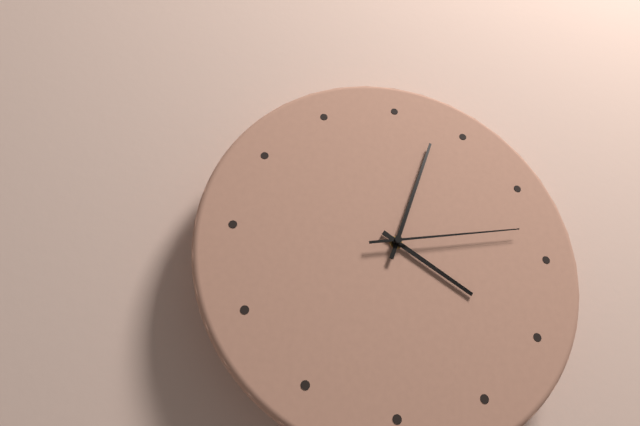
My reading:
**4:03:13**
